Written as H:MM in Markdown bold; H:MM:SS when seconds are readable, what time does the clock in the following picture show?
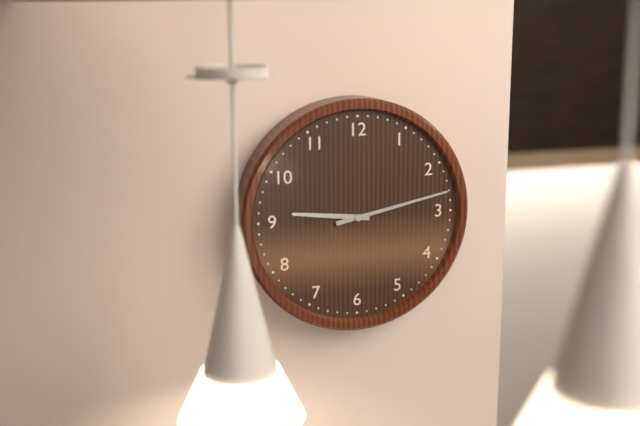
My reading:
**9:13**
